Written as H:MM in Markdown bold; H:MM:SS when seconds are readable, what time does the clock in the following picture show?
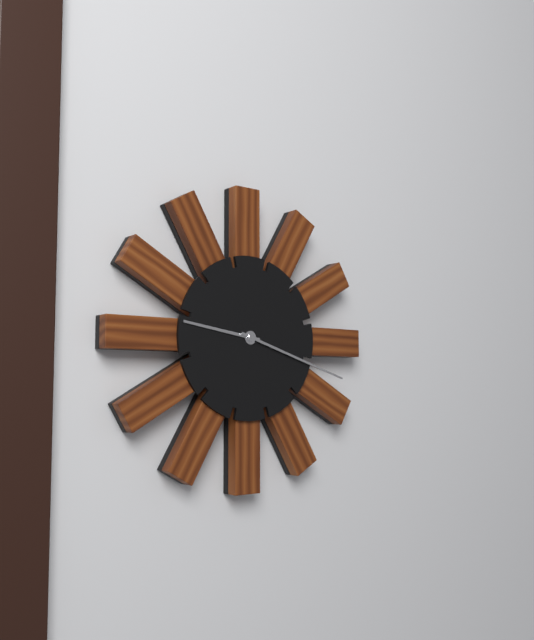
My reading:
**9:18**
